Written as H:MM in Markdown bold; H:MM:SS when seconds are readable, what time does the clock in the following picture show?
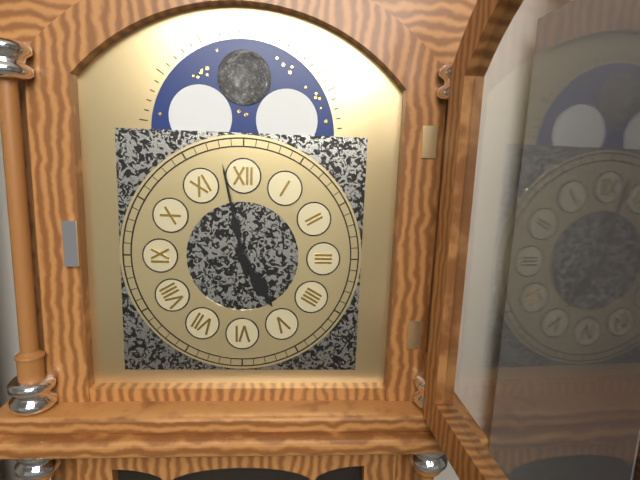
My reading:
**4:58**
